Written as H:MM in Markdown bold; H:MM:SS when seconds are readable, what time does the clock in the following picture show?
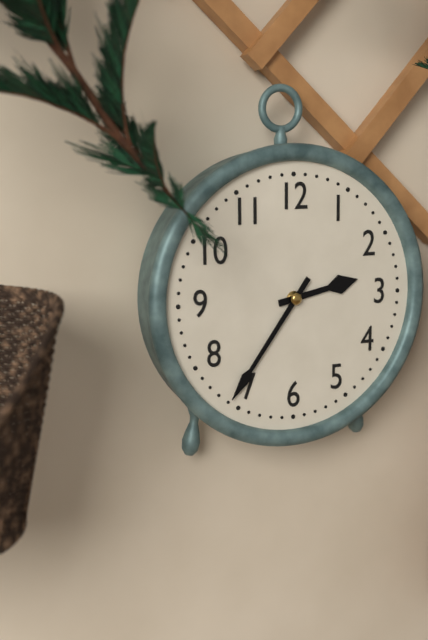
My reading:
**2:36**
